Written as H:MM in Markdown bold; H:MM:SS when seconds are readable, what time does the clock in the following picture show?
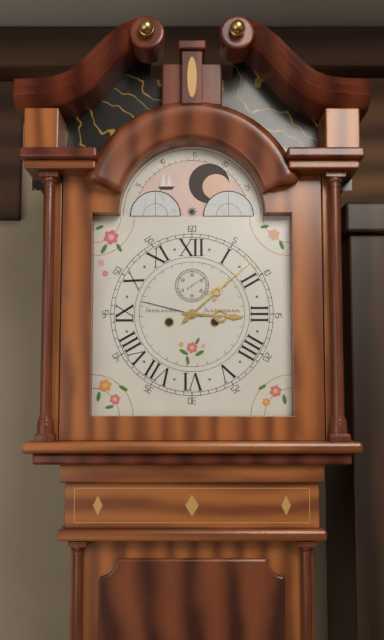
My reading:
**3:08**
